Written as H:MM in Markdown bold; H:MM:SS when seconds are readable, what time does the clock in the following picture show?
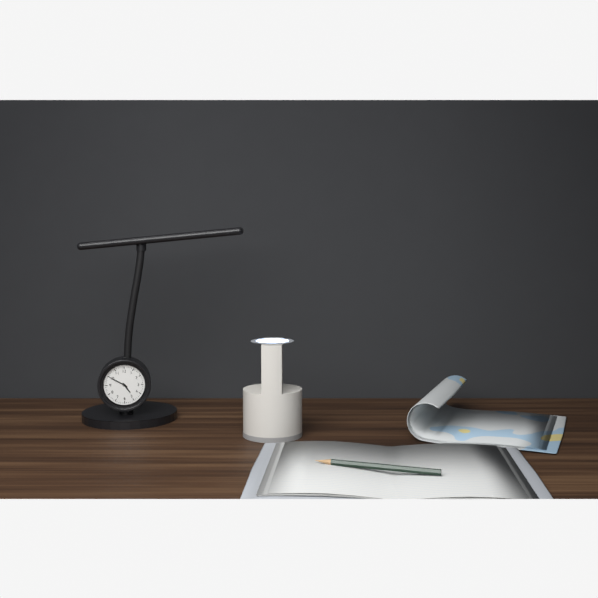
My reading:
**4:50**
